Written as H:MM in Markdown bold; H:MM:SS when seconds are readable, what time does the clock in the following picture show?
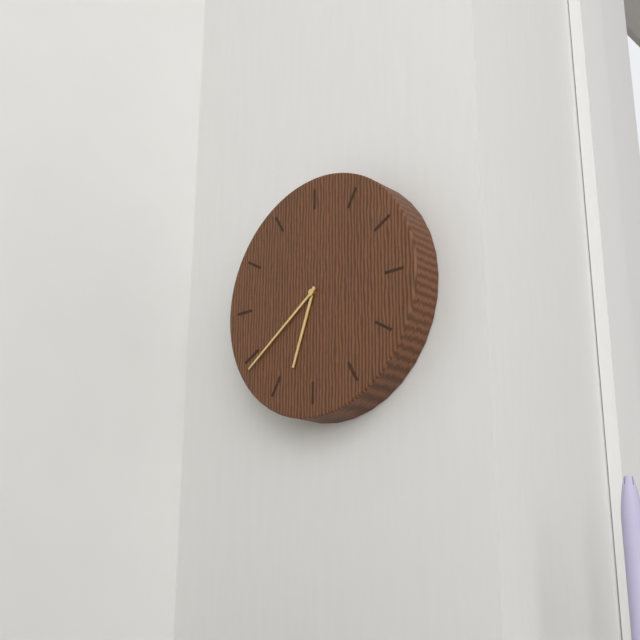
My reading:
**6:39**
